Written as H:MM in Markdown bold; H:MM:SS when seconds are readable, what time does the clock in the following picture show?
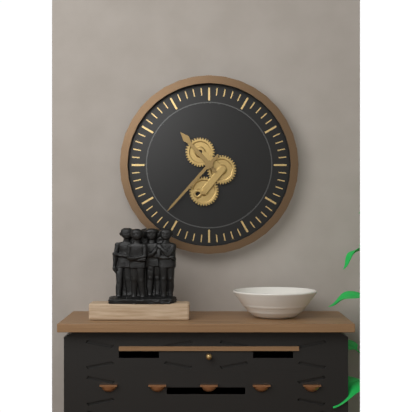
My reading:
**10:37**
